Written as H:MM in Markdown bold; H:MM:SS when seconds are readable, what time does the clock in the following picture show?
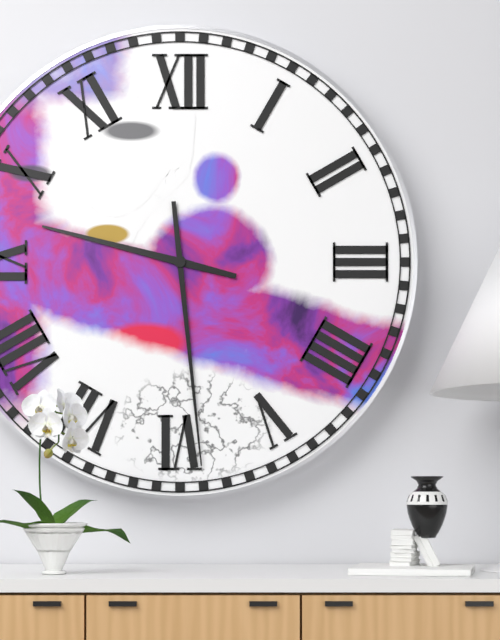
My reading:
**9:29**
